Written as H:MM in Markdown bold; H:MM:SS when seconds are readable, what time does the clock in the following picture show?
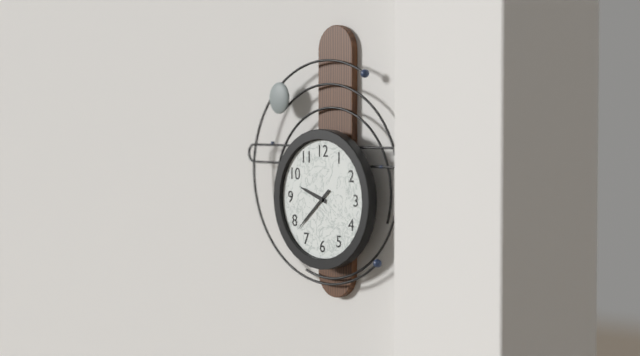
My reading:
**9:38**
